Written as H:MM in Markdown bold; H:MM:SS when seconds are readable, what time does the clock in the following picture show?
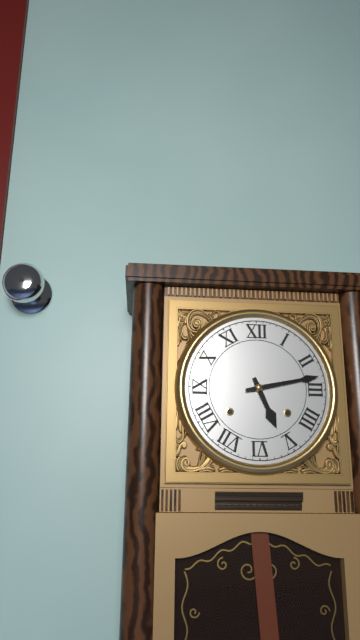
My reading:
**5:13**
